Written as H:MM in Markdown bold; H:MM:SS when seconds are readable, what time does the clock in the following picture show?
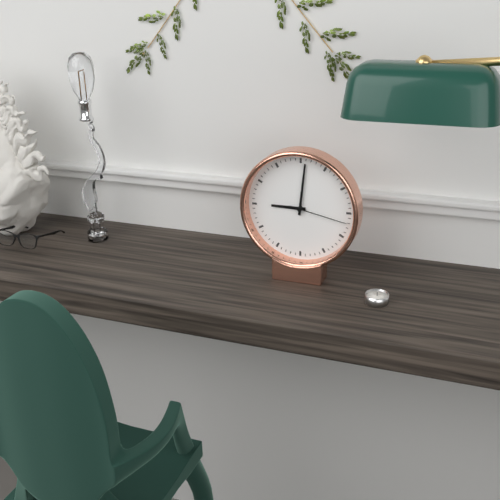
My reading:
**9:01:17**
